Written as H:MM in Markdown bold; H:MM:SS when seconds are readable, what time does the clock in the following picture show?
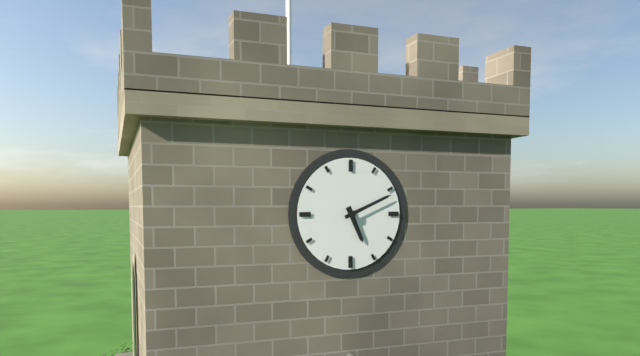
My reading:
**5:11**
